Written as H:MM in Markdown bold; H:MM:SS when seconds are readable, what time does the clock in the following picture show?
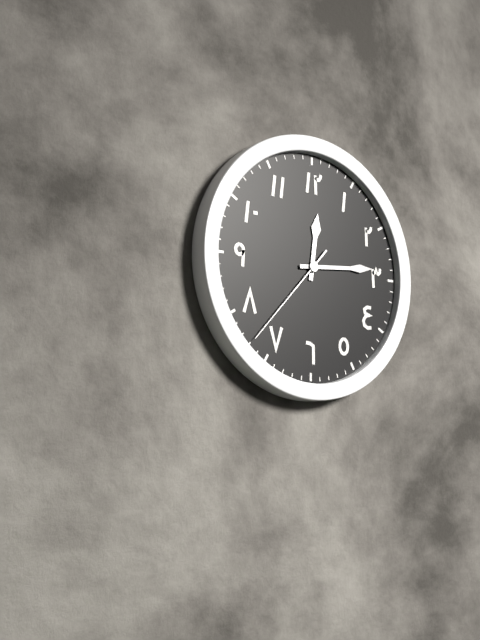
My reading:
**12:14:37**
